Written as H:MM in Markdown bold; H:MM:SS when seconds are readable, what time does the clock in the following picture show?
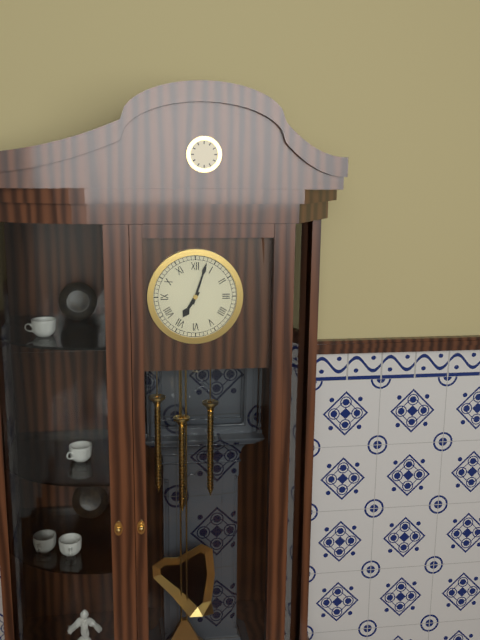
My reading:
**7:03**
